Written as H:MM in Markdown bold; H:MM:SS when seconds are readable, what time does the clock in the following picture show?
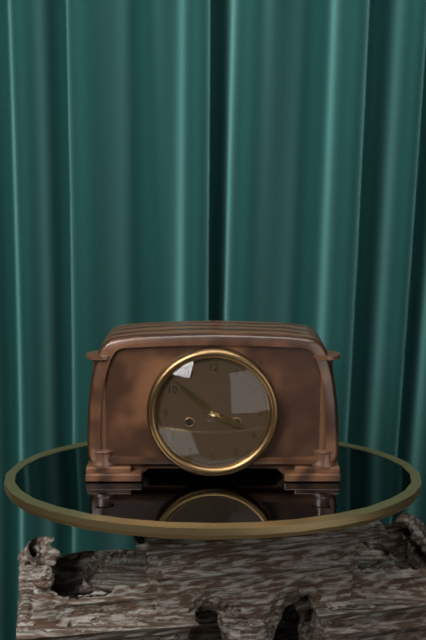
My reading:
**3:52**
